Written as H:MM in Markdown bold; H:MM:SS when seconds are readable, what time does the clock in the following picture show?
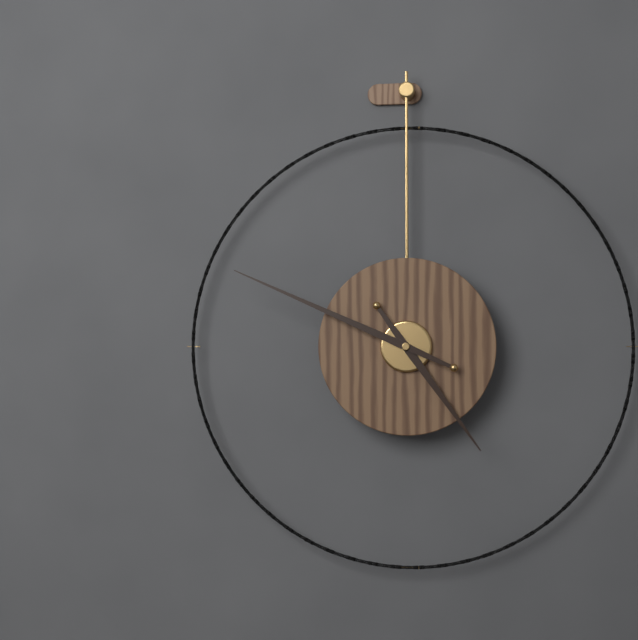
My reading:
**4:49**
